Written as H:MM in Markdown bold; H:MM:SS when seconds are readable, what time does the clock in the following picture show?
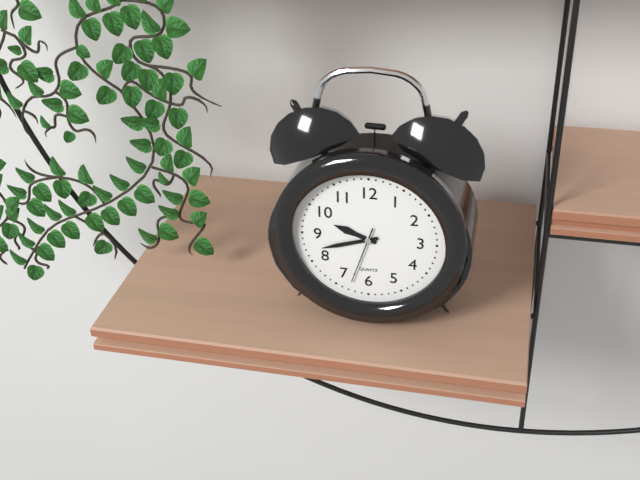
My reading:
**9:42:33**
